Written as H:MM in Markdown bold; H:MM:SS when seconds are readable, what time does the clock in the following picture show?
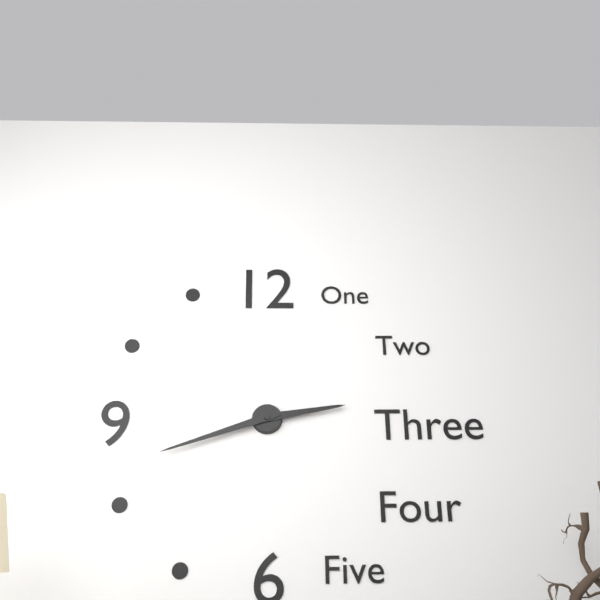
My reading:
**2:42**
